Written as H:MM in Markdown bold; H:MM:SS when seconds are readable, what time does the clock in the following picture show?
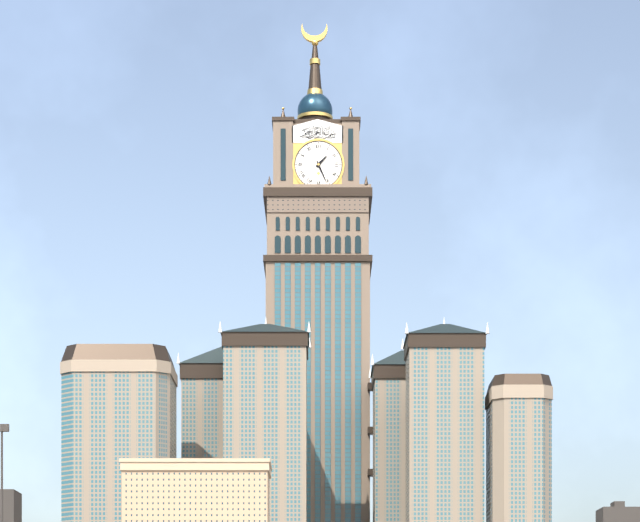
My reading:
**1:26**
